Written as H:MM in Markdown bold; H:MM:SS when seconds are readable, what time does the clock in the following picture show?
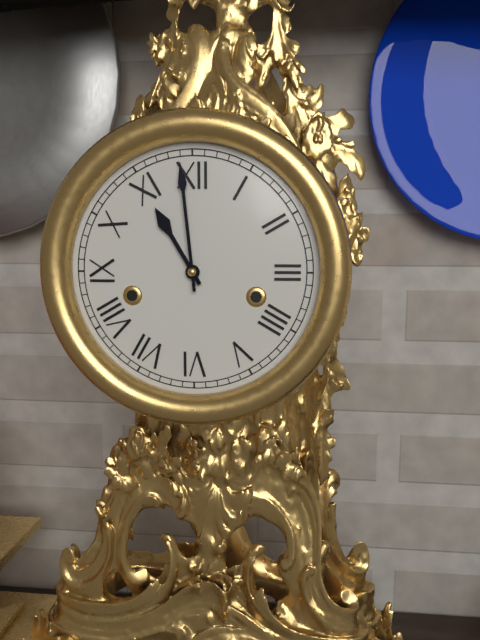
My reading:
**10:59**
